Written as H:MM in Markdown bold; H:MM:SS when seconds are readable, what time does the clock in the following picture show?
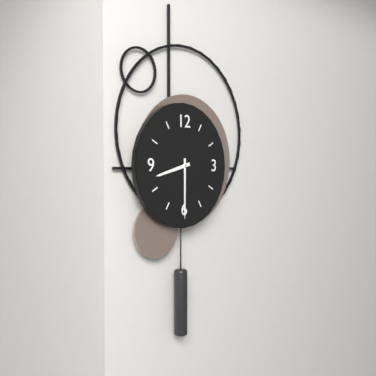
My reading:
**8:30**
